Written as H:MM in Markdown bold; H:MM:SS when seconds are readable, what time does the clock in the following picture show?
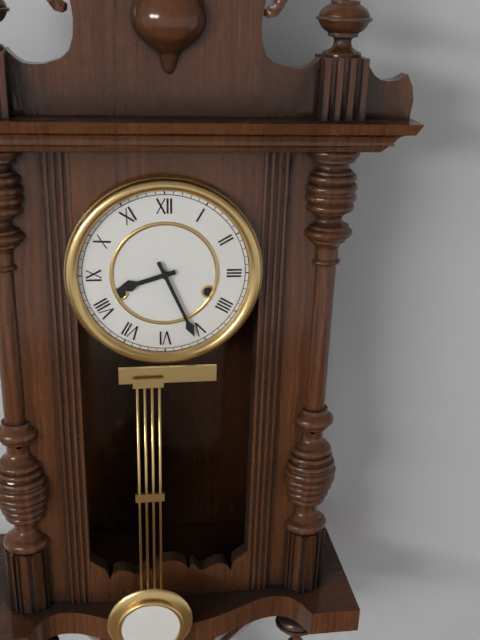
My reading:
**8:26**
